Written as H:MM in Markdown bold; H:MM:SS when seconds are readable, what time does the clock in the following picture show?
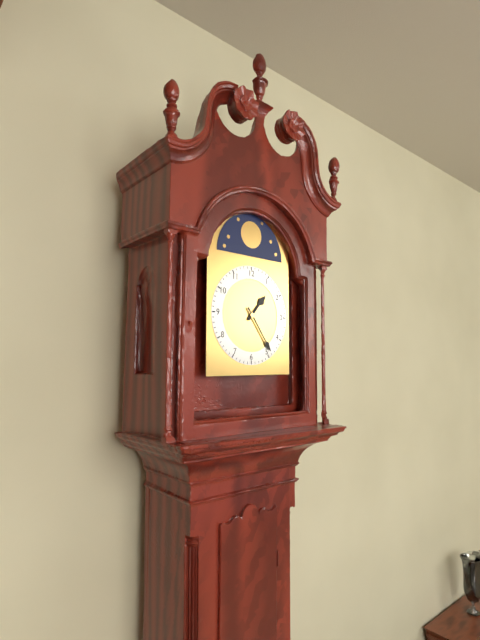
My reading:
**1:24**
